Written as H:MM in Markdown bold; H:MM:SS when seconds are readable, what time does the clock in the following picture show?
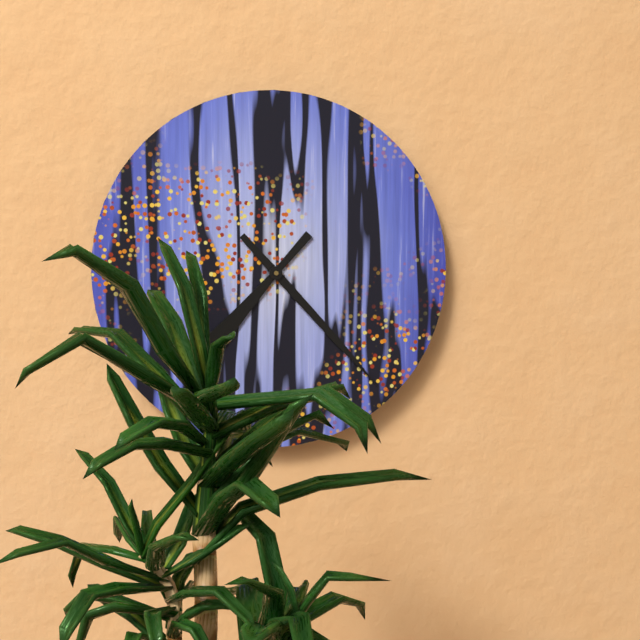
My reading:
**7:23**
